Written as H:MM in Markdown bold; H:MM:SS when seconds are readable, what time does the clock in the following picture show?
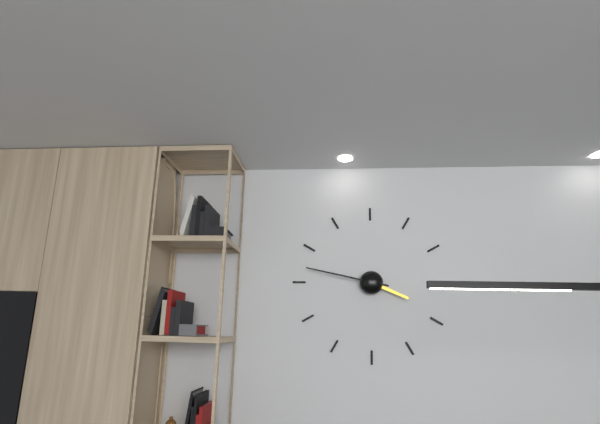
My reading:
**3:47**
